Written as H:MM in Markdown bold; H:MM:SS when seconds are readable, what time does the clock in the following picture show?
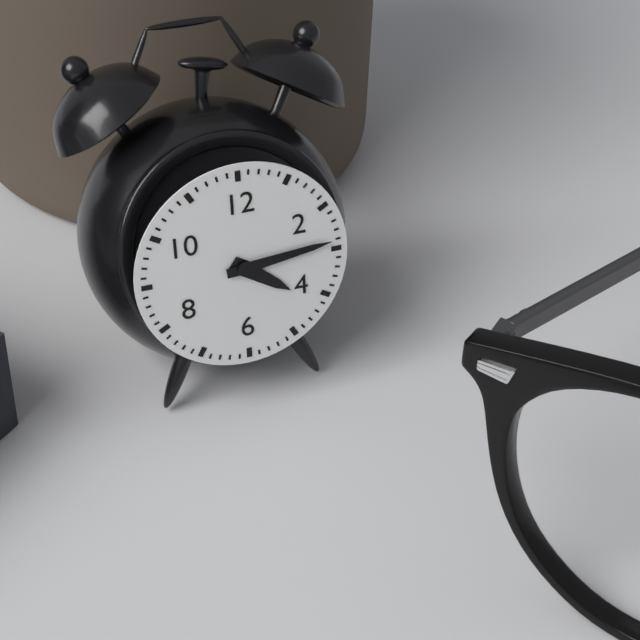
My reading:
**4:14**
